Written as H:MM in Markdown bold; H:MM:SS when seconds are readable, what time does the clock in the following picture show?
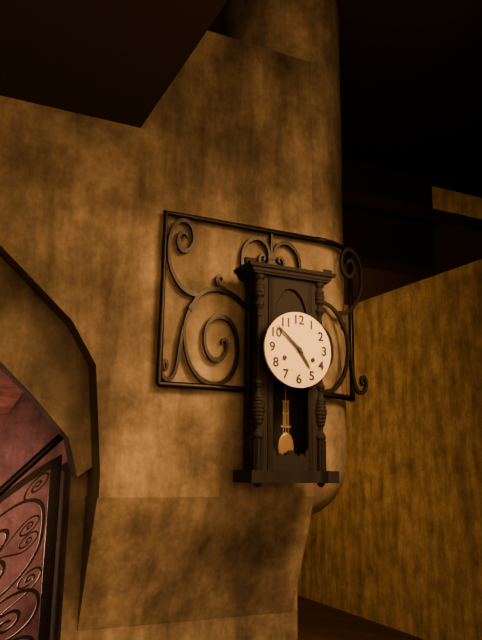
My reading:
**4:52**
